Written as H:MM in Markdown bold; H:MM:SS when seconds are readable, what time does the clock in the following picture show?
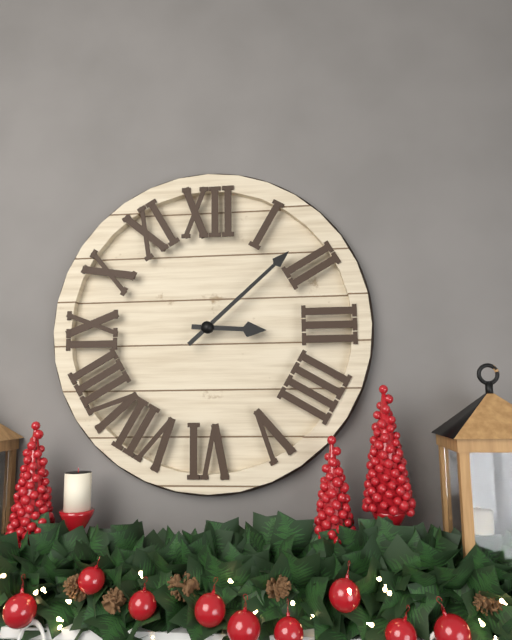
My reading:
**3:08**
